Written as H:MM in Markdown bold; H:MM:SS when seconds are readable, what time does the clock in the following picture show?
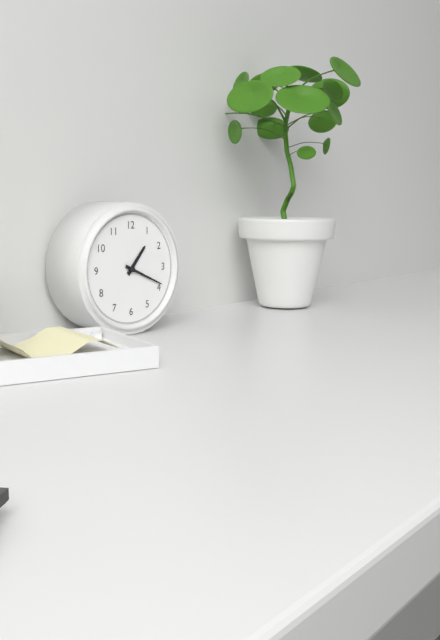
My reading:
**1:19**
